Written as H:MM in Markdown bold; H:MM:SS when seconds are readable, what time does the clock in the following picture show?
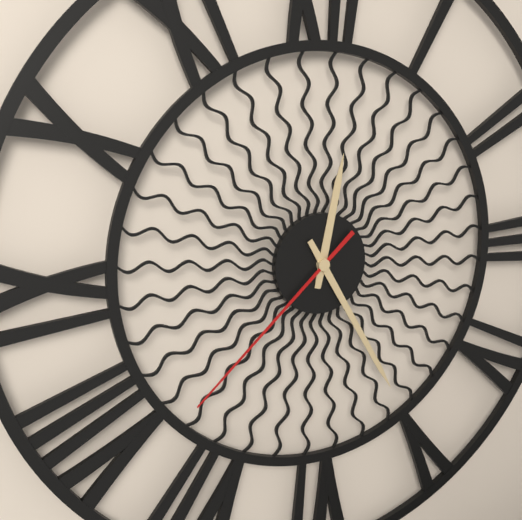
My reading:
**12:25:38**
